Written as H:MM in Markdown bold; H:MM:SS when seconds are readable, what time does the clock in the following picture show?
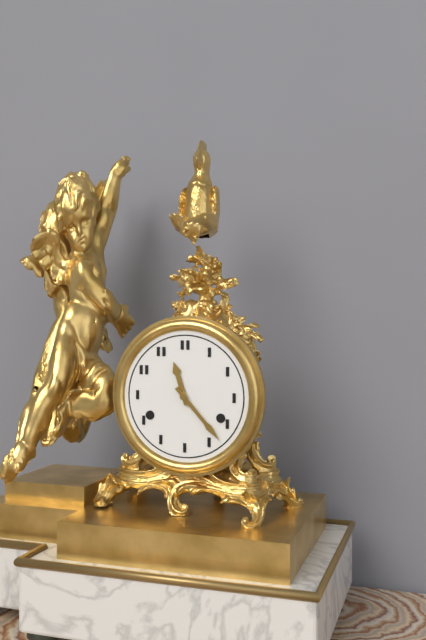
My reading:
**11:23**
